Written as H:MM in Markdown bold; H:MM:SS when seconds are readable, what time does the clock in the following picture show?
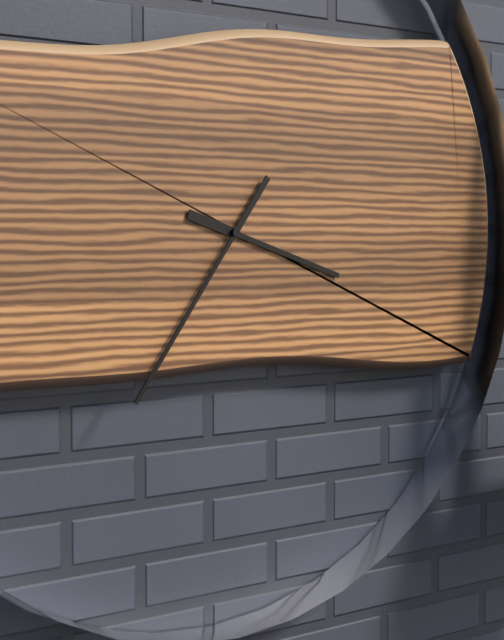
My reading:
**3:36**
